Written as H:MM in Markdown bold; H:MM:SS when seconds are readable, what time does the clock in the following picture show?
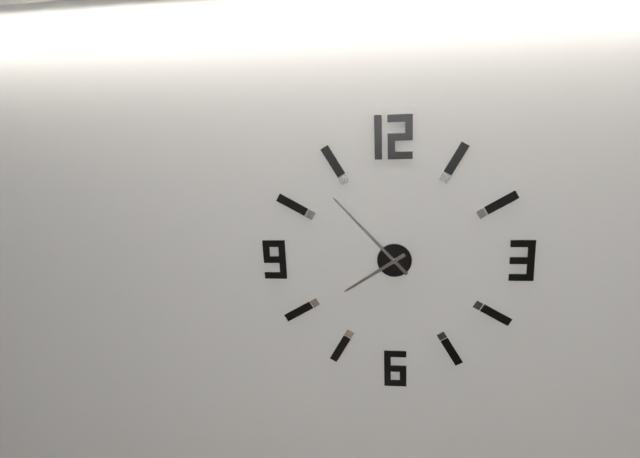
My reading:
**7:53**
